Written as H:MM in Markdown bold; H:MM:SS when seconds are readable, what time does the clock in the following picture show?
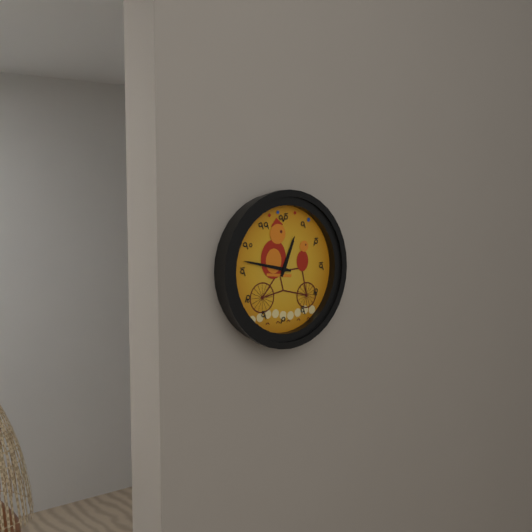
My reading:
**12:47**
